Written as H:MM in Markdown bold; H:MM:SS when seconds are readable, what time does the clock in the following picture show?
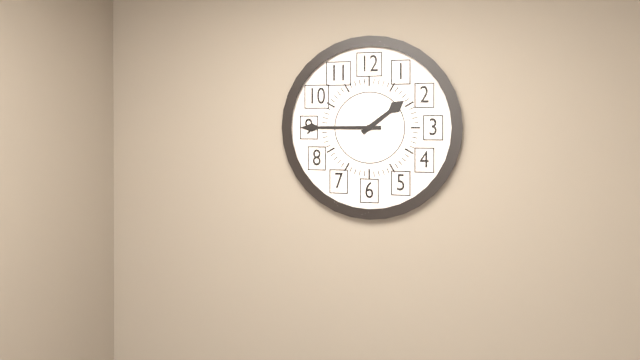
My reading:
**1:45**
